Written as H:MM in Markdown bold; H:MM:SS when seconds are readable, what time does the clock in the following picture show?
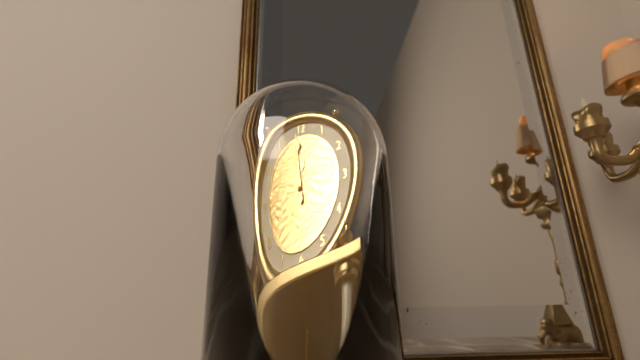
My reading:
**11:59**
